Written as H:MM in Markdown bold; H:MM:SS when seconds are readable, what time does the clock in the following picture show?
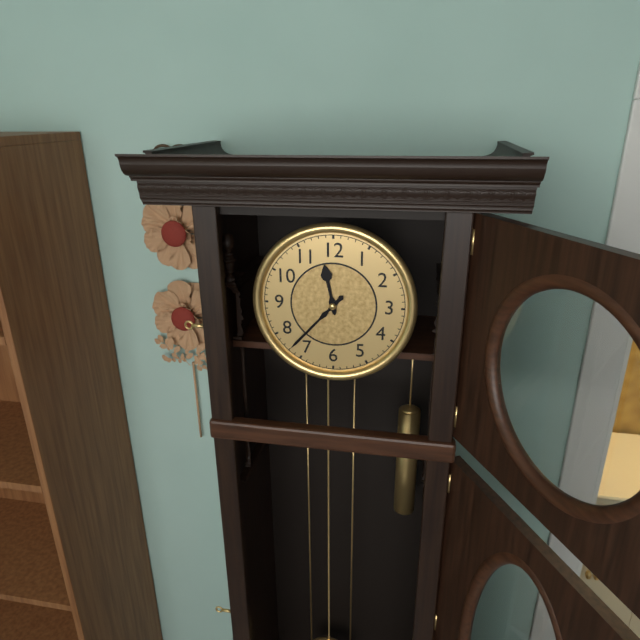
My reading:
**11:37**
